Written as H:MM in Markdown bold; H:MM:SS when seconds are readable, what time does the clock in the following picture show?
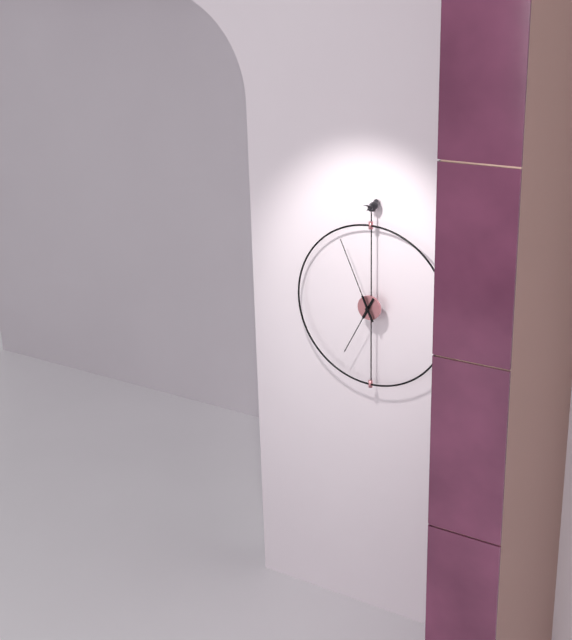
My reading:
**6:56**
